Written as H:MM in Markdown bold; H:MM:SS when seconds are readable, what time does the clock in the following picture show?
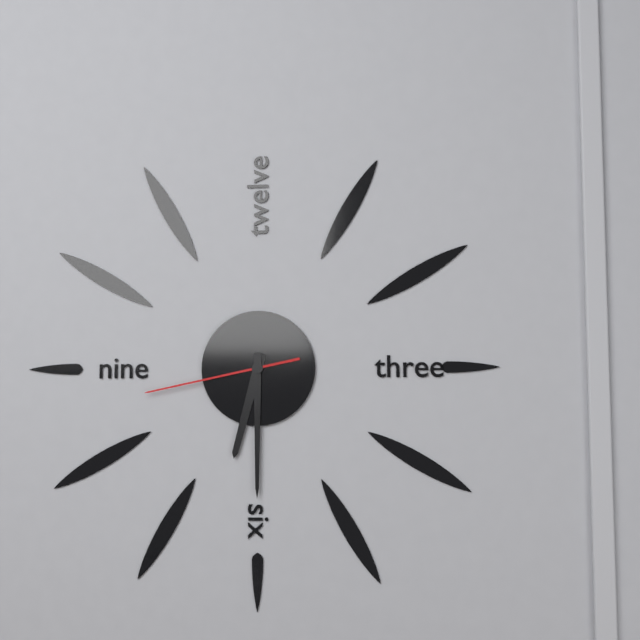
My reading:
**6:30:43**
